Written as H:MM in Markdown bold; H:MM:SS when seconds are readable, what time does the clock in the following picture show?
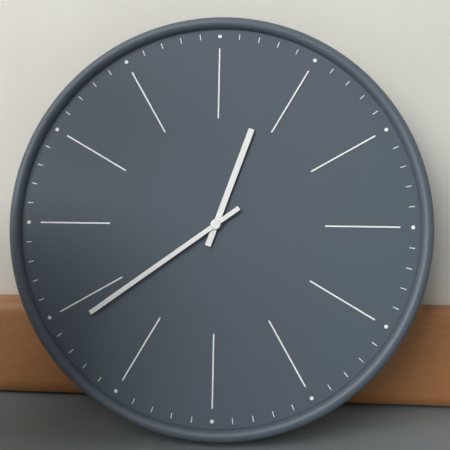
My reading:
**12:39**
